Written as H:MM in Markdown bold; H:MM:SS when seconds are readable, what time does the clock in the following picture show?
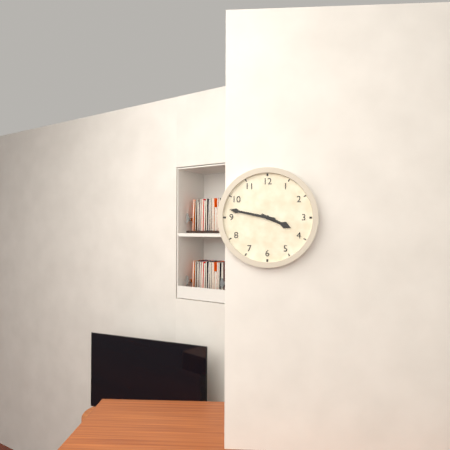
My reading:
**3:47**
